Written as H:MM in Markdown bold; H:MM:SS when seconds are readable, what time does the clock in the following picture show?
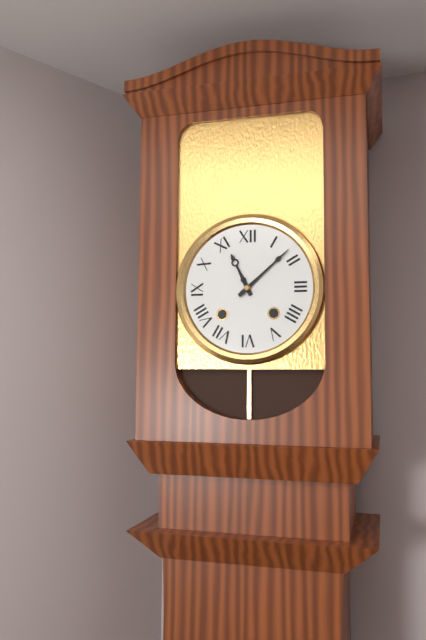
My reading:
**11:08**
